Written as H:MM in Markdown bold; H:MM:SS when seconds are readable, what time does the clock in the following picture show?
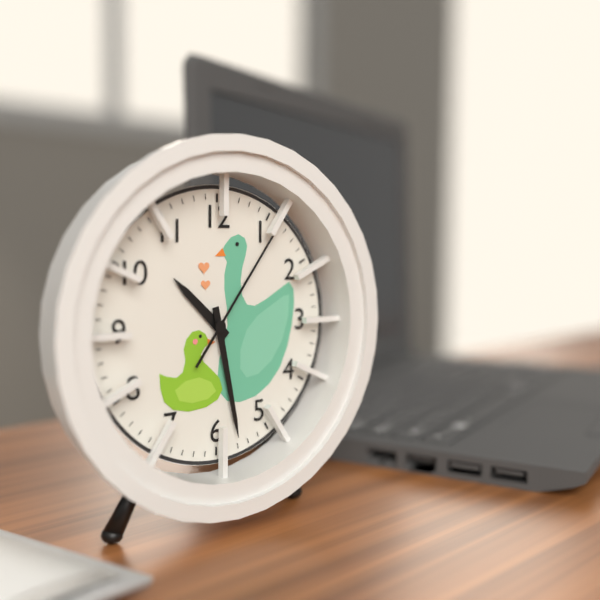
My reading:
**10:28:06**
